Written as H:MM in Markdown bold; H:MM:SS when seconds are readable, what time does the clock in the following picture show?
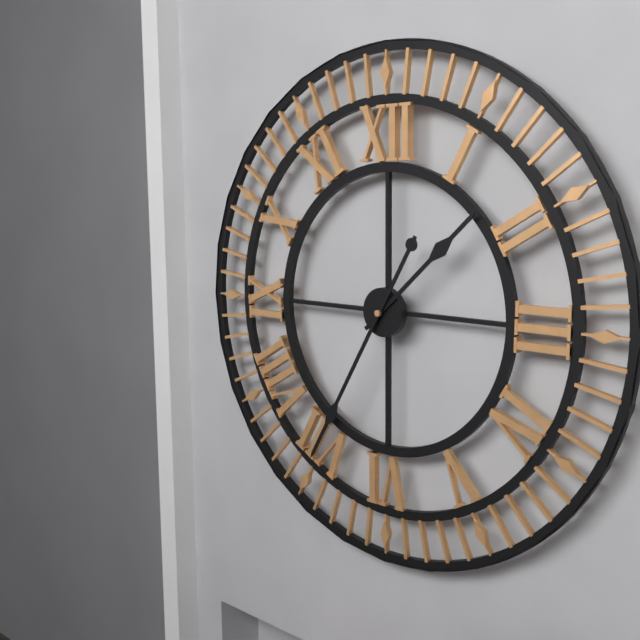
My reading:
**1:35**
